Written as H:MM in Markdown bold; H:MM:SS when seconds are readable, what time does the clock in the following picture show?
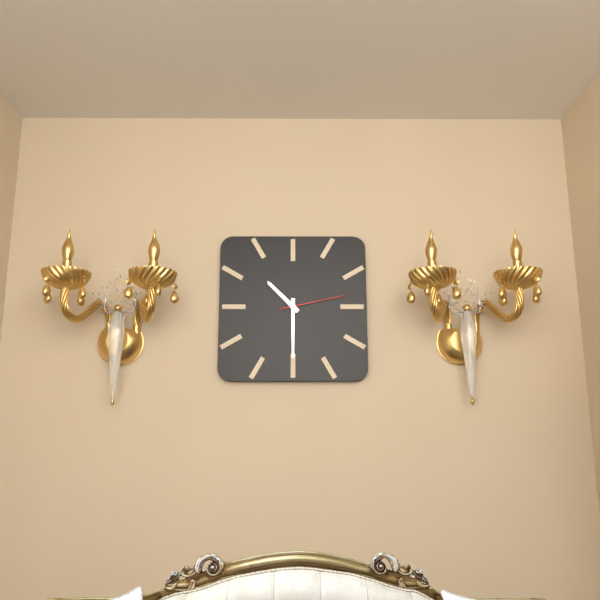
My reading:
**10:30:13**
